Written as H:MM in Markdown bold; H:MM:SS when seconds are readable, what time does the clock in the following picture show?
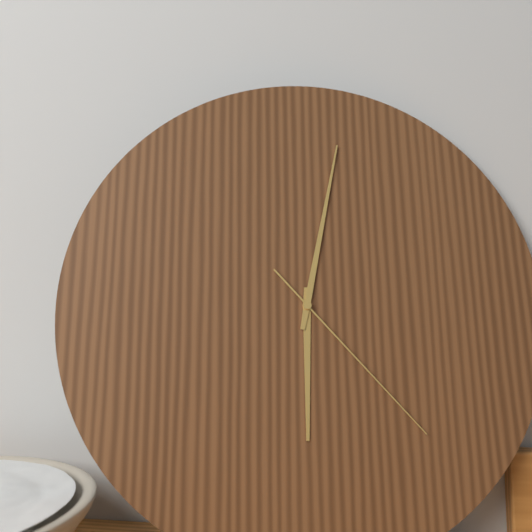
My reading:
**6:02:23**
